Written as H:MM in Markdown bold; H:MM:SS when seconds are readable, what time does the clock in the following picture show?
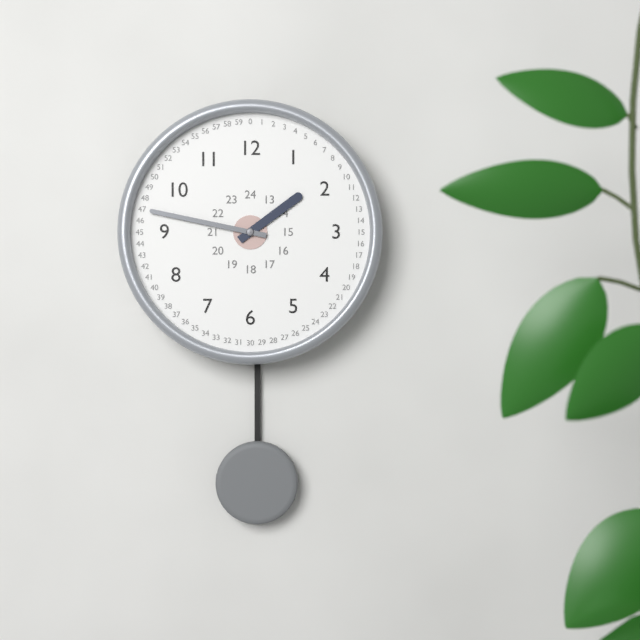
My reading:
**1:47**
